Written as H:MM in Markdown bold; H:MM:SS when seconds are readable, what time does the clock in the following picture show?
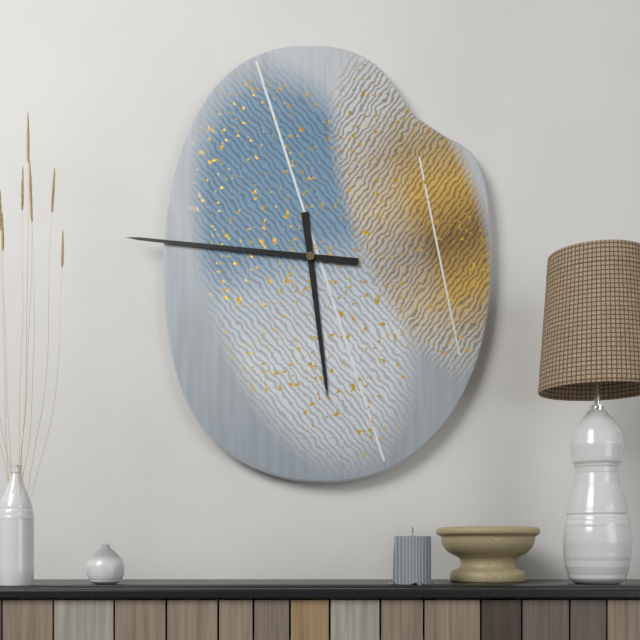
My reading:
**5:46**
